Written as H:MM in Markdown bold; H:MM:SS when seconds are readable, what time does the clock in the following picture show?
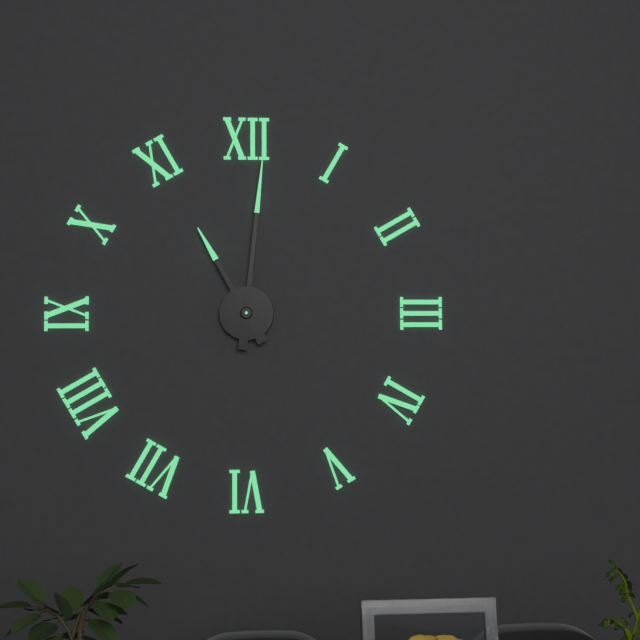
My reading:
**11:01**
